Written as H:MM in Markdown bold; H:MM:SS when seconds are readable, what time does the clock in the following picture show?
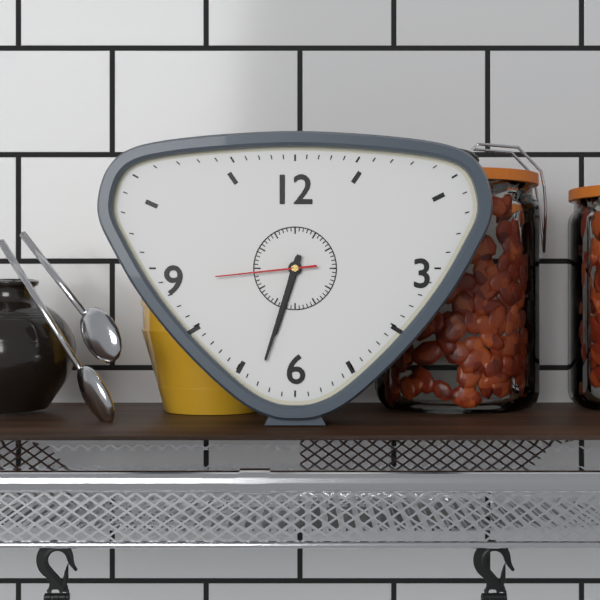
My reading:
**6:33:44**
